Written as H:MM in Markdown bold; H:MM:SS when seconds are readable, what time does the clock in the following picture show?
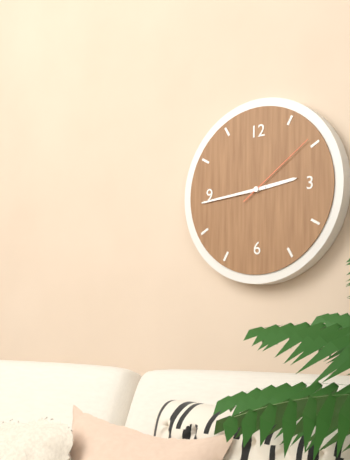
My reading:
**2:44:09**
